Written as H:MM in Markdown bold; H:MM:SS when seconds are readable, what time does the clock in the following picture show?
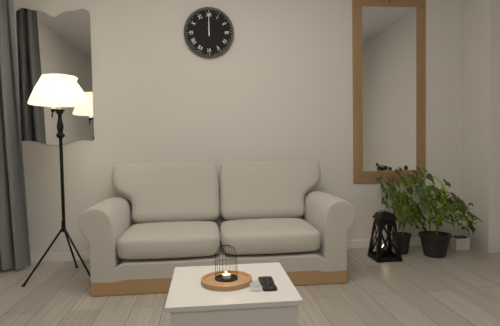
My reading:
**12:00**
